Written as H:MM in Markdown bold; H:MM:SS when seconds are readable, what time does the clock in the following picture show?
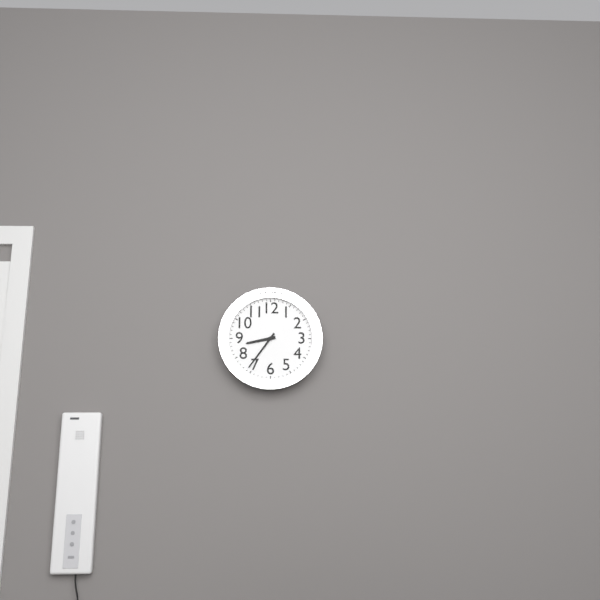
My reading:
**8:36**
